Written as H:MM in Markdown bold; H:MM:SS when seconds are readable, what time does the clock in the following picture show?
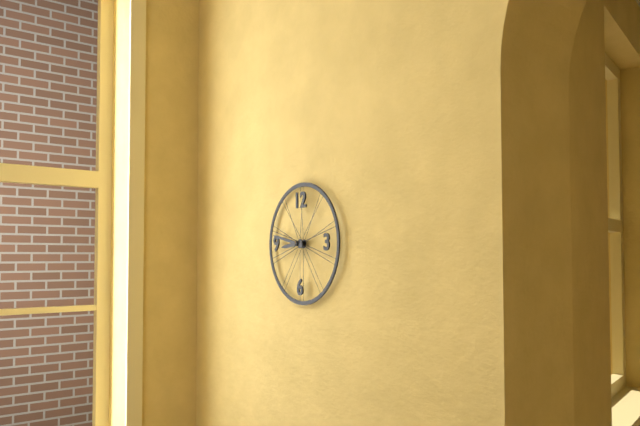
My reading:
**8:47**
